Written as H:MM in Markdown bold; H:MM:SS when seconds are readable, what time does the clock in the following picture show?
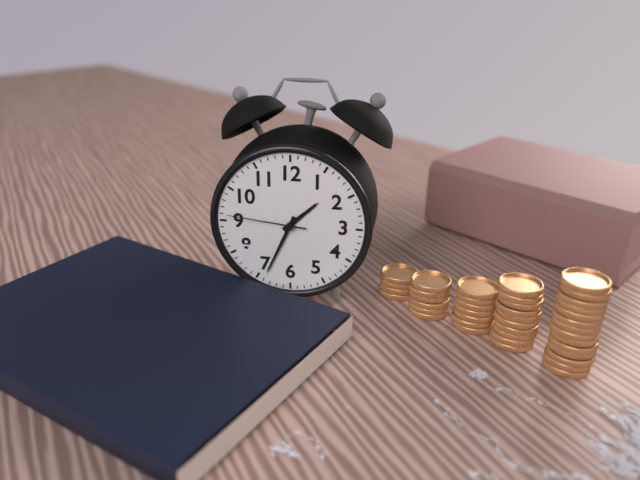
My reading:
**1:34:46**
